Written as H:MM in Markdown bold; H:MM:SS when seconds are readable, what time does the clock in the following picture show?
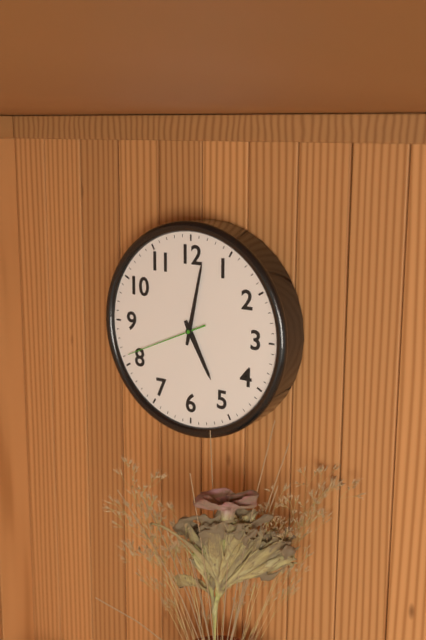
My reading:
**5:02:41**
